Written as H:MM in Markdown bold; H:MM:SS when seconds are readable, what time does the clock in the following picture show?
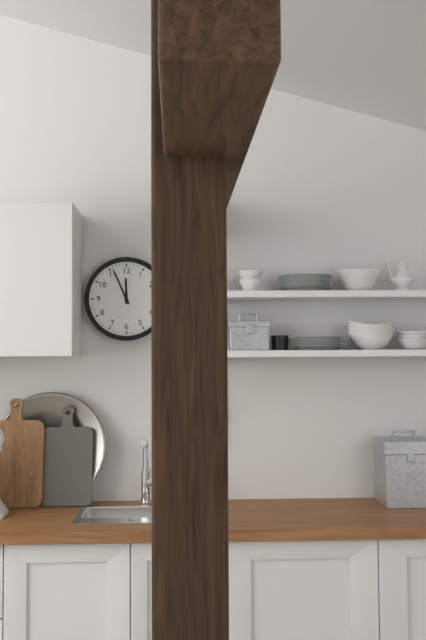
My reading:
**11:56**
